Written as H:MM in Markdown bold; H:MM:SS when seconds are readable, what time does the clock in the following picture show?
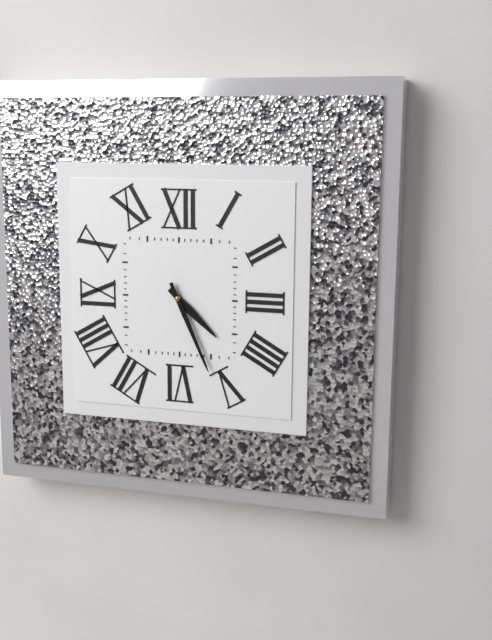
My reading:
**4:26**
